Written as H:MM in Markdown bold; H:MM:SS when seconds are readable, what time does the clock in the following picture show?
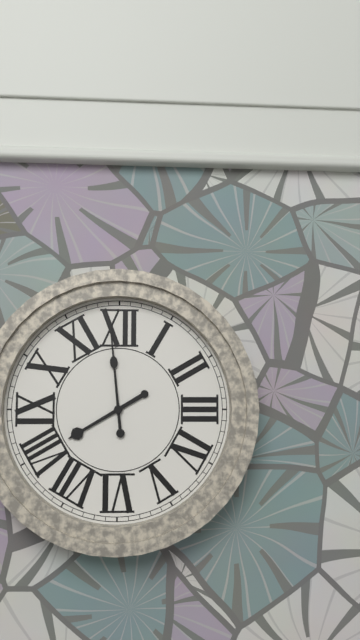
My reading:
**7:59**
